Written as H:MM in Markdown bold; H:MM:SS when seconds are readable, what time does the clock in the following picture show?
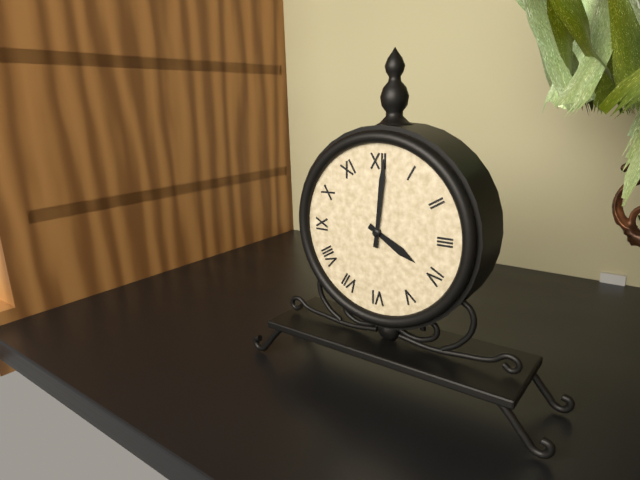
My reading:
**4:01**
